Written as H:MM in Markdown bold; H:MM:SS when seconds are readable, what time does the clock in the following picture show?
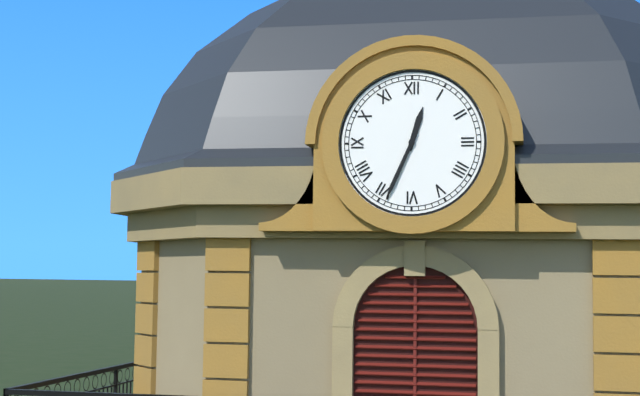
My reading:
**12:34**
